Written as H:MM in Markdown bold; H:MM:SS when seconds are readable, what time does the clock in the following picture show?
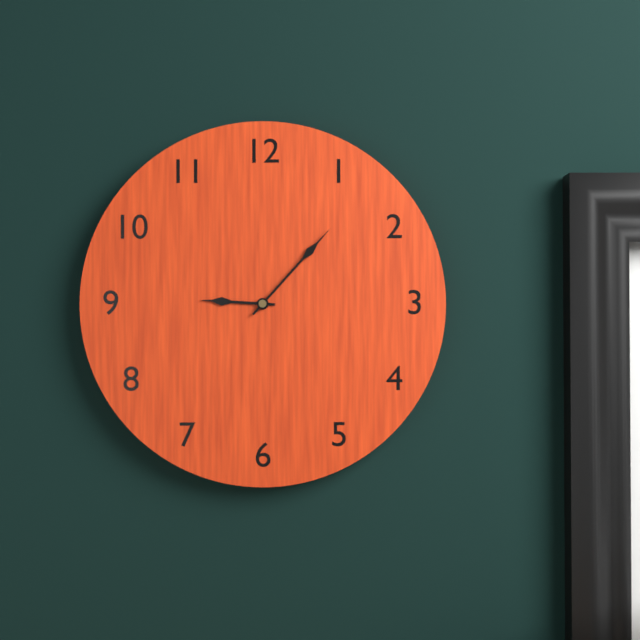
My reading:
**9:07**
